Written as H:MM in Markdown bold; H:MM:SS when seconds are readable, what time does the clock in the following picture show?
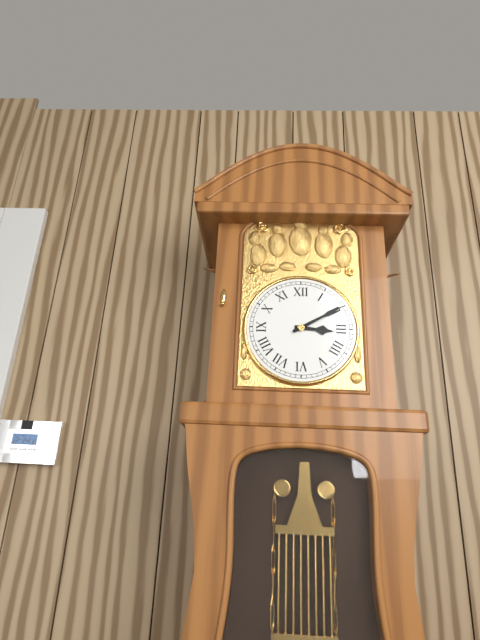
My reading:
**3:10**
